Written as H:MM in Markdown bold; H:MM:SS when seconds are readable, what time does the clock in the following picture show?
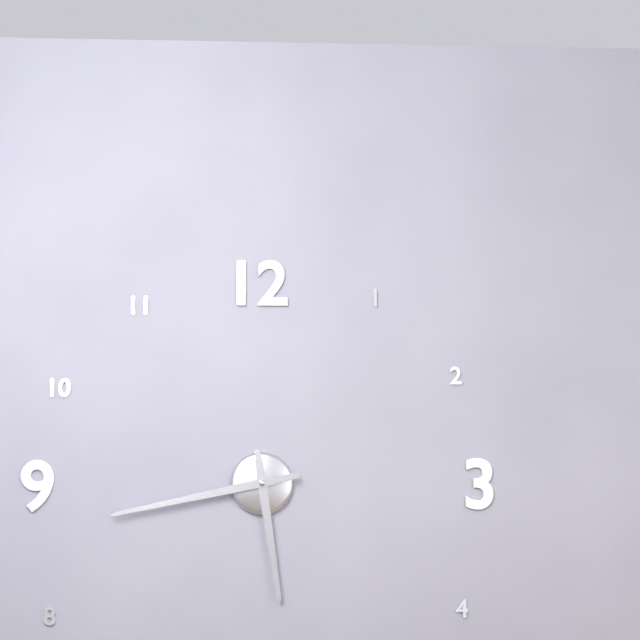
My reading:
**5:43**
